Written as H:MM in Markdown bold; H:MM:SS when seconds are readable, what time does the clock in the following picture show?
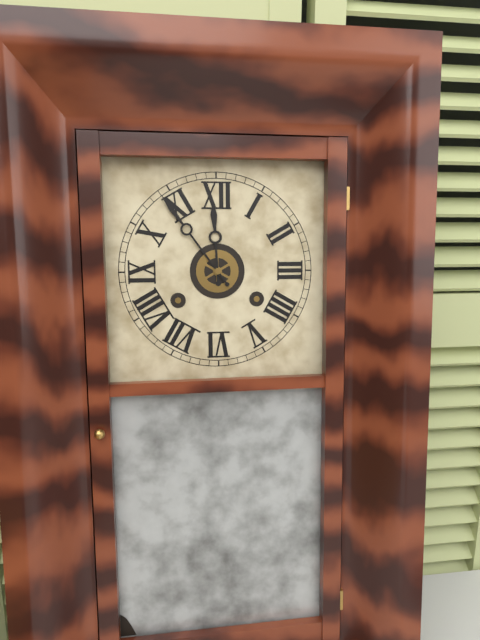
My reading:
**11:54**
